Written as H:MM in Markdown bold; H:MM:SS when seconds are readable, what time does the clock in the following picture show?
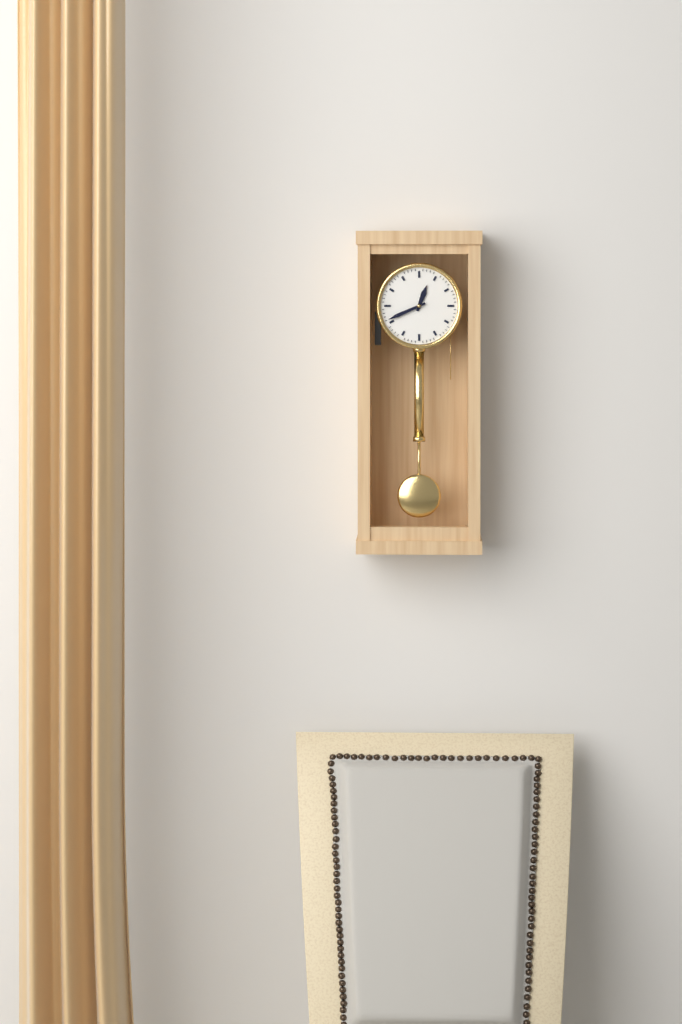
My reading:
**12:41**
